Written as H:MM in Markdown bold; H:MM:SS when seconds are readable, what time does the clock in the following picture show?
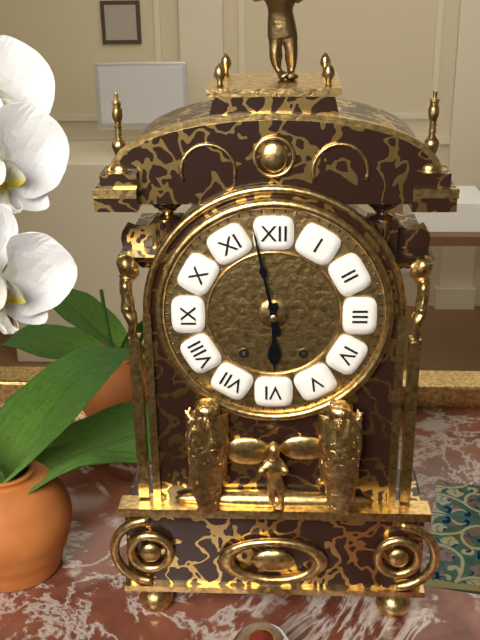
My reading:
**5:58**
